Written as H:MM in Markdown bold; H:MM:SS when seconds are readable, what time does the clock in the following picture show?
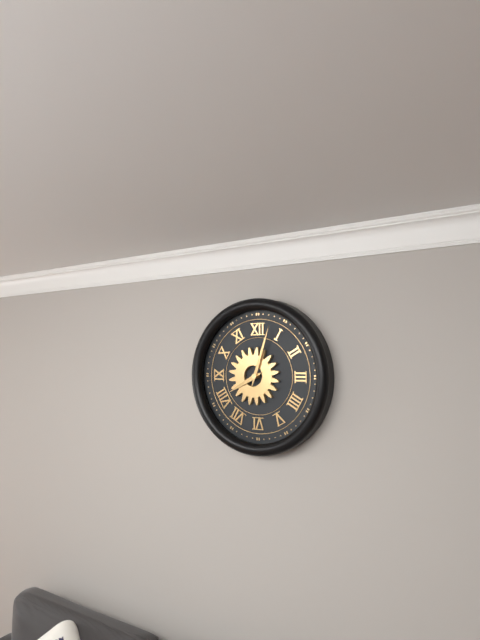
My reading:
**8:03**
